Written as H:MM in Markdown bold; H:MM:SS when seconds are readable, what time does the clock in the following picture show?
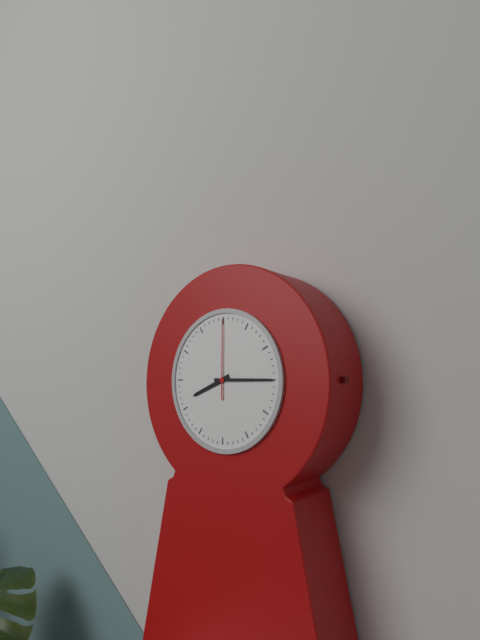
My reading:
**8:15:00**
